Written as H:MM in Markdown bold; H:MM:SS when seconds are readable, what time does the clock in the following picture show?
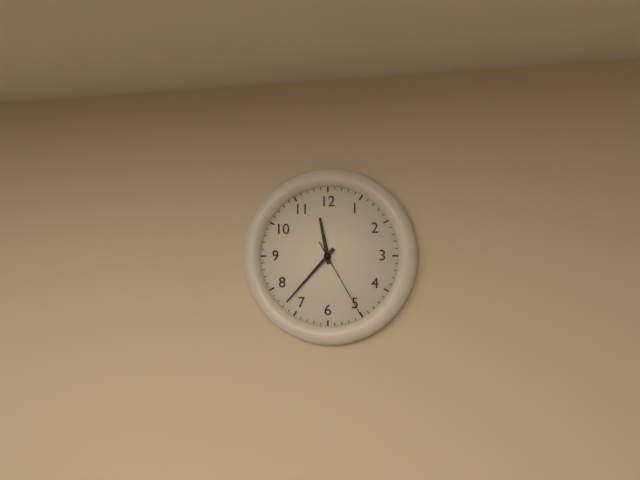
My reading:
**11:37:25**
